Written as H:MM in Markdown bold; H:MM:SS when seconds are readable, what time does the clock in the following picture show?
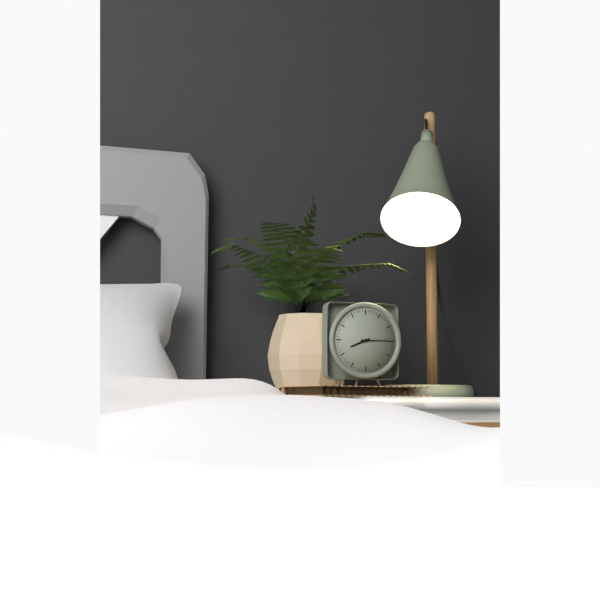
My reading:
**8:15**
